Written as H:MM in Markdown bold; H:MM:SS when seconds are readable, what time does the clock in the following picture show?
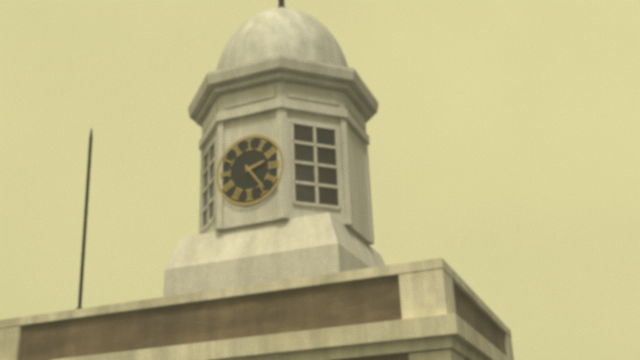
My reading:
**2:24**
